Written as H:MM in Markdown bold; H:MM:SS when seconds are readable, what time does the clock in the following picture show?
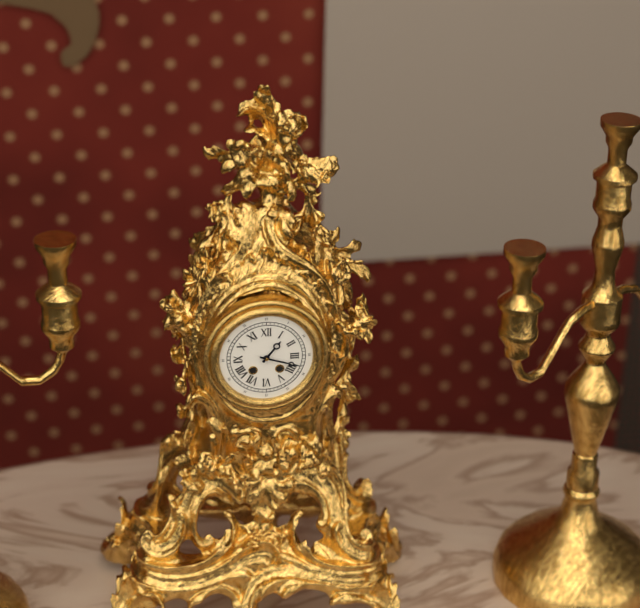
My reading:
**1:18**
